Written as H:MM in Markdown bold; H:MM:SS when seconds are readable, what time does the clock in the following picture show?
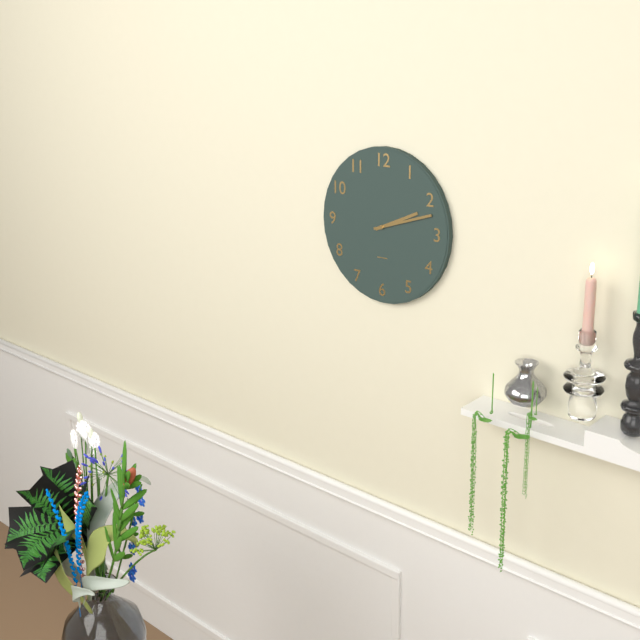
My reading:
**2:12**
